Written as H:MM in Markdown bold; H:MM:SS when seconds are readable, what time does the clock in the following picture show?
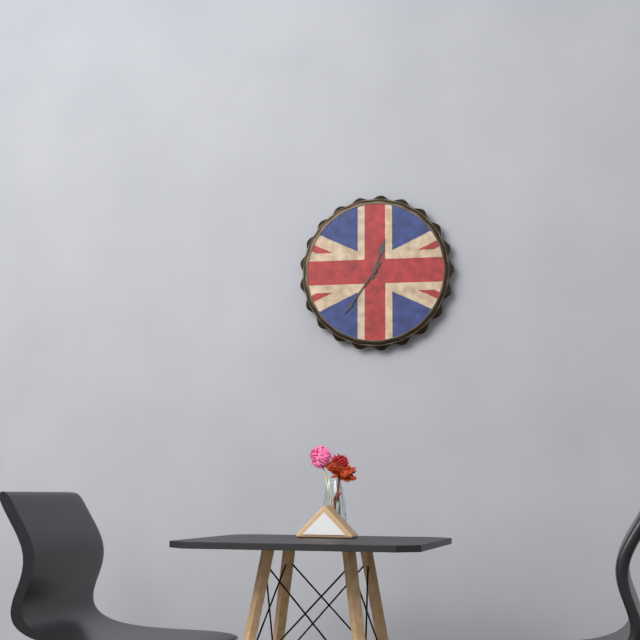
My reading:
**12:36**
